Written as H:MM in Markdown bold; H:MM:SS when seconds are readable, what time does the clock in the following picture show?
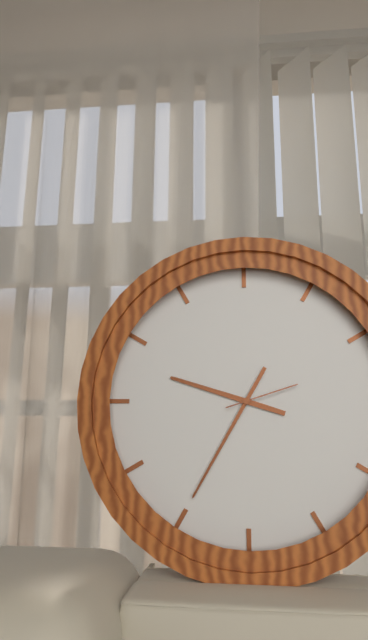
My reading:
**9:35:12**
